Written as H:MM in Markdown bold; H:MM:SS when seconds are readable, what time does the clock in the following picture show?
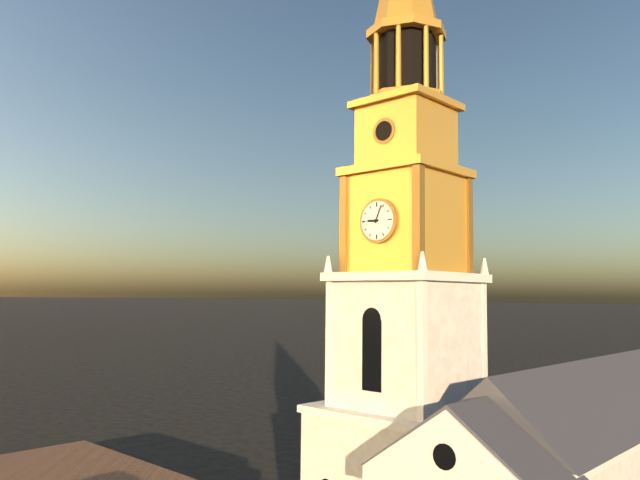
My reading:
**9:04**
